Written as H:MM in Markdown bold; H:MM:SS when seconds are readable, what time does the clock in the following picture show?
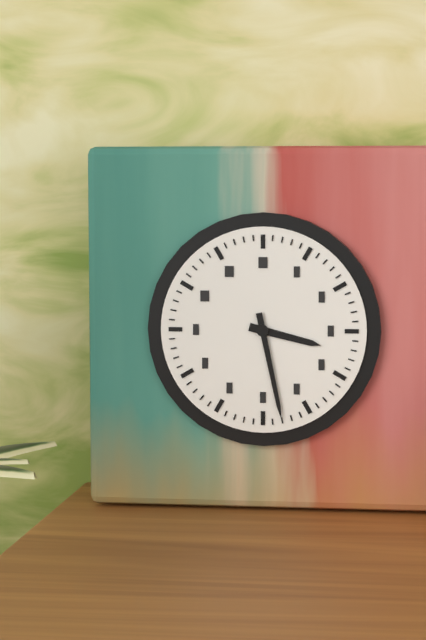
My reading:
**3:28**
